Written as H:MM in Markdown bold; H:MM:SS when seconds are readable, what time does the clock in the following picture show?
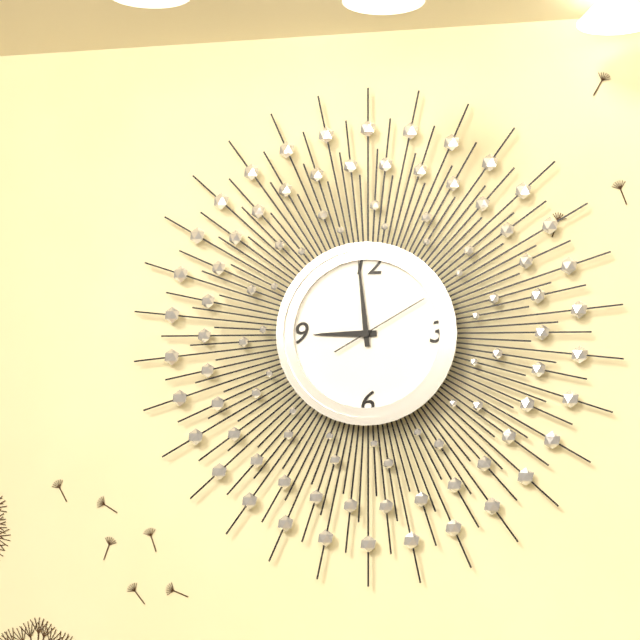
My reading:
**8:59:10**
